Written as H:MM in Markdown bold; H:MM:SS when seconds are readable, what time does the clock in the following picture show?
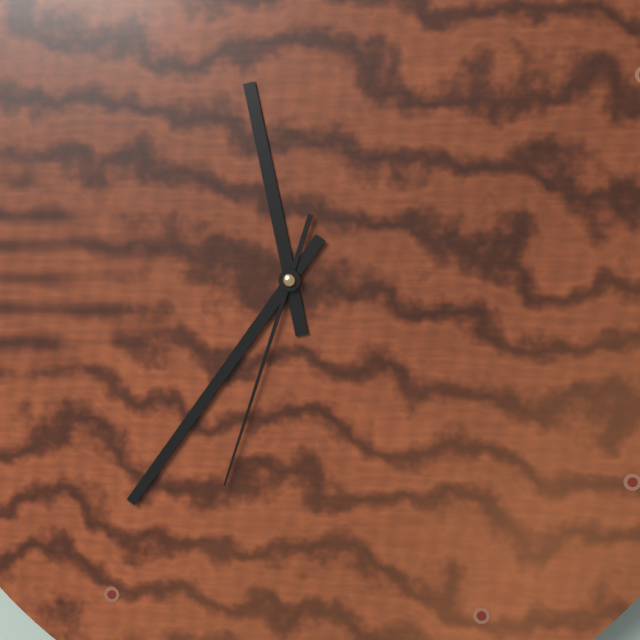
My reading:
**11:36:33**
